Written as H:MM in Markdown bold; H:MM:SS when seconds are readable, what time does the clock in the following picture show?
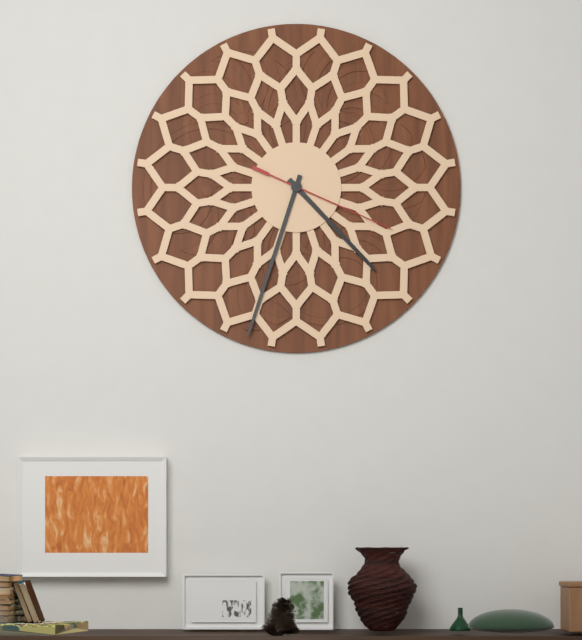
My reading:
**4:33:19**
